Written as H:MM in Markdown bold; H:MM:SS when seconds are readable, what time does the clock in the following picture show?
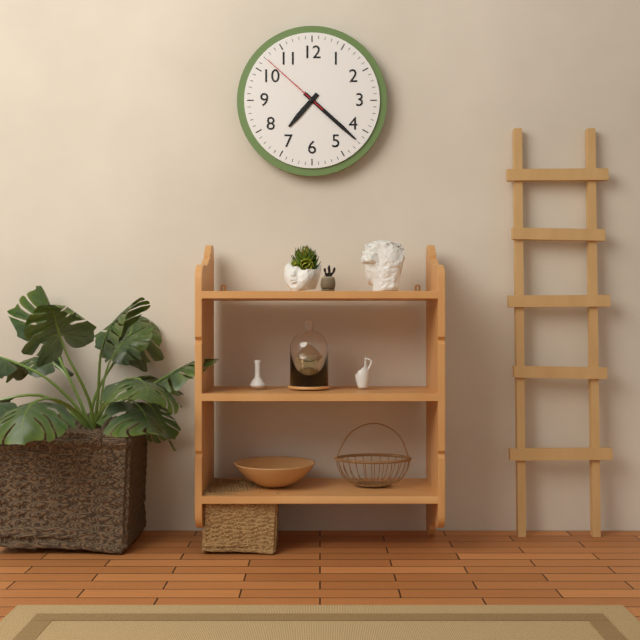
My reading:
**7:22:52**
